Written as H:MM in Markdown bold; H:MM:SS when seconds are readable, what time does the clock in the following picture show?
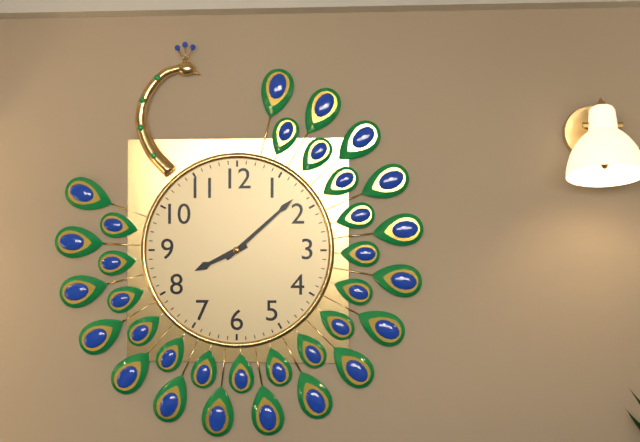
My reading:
**8:08**
